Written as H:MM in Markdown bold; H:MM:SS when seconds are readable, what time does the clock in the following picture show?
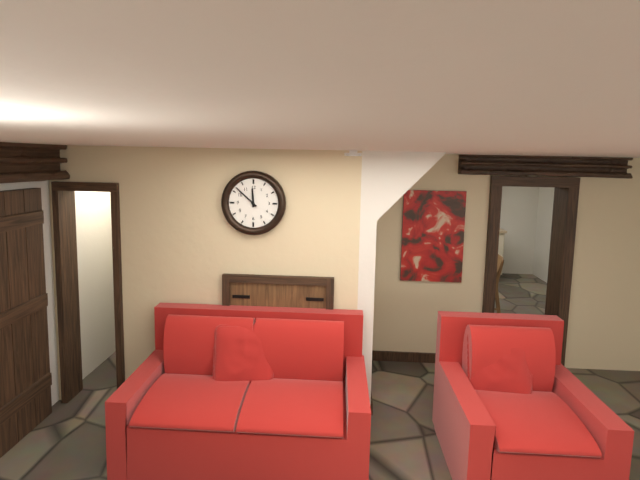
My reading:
**11:52**
